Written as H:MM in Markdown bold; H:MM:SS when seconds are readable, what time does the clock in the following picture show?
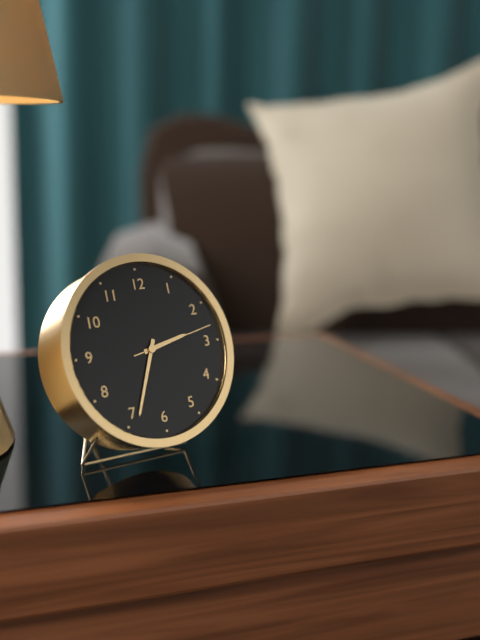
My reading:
**2:34:13**
